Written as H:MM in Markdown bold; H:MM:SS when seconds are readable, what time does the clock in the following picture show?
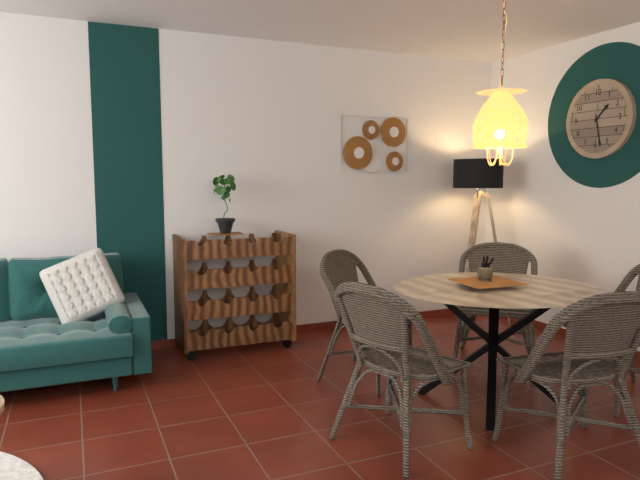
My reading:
**1:28**
